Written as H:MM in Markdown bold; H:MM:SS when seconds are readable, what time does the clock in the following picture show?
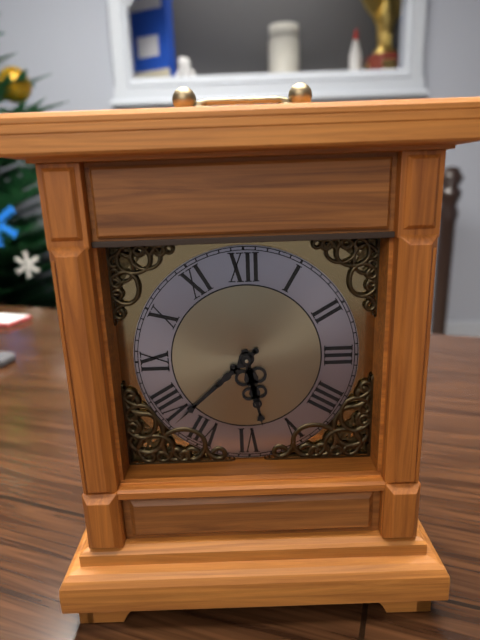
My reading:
**5:38**
